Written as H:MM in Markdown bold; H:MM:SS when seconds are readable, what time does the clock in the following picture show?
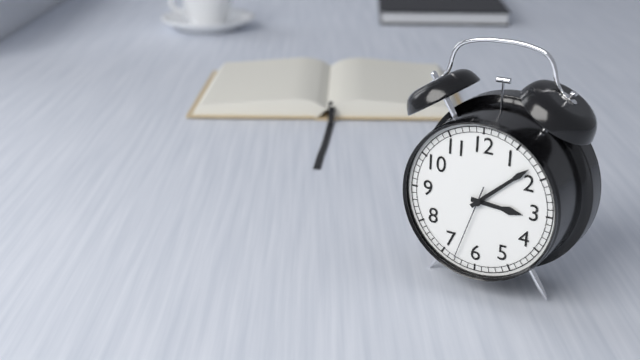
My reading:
**3:08:33**
